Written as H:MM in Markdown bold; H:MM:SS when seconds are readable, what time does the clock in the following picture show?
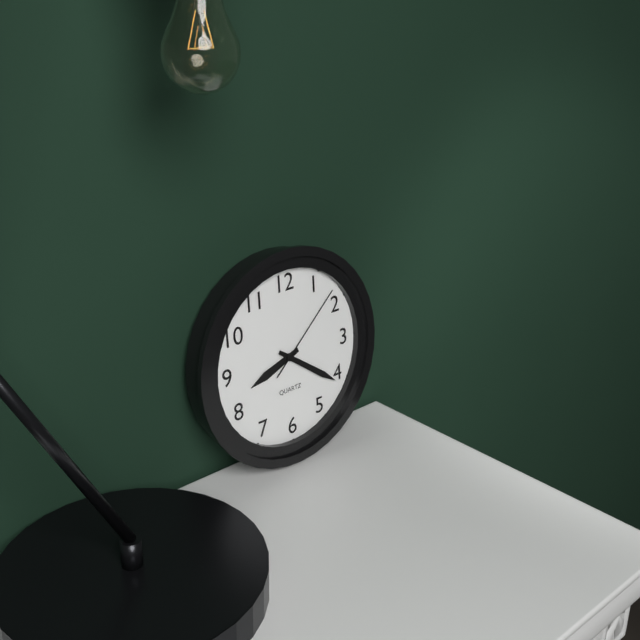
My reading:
**8:21:08**
